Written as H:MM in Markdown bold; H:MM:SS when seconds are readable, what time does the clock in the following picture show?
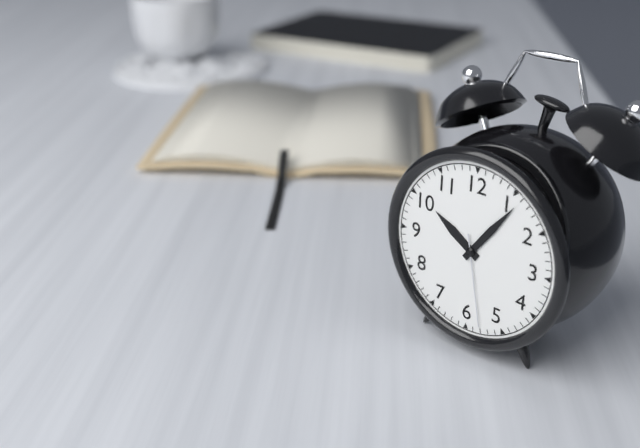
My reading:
**10:06:28**
